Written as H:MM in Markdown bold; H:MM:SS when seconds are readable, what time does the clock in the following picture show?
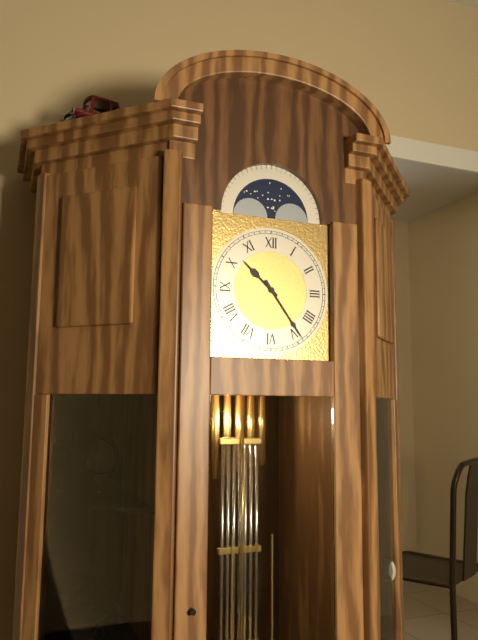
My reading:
**10:24**
